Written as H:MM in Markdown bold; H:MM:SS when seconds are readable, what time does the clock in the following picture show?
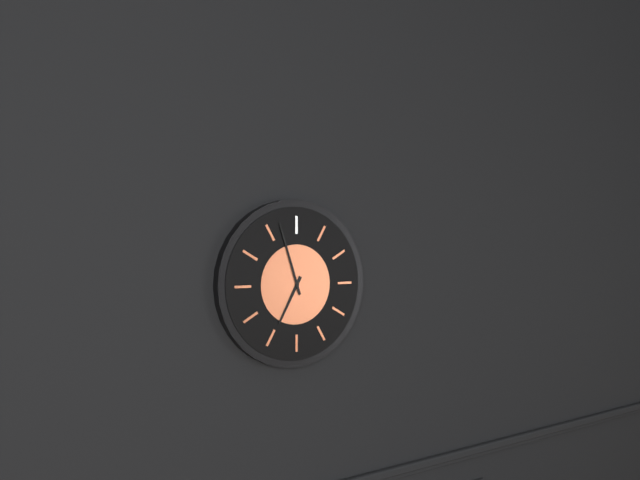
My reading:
**6:57**
